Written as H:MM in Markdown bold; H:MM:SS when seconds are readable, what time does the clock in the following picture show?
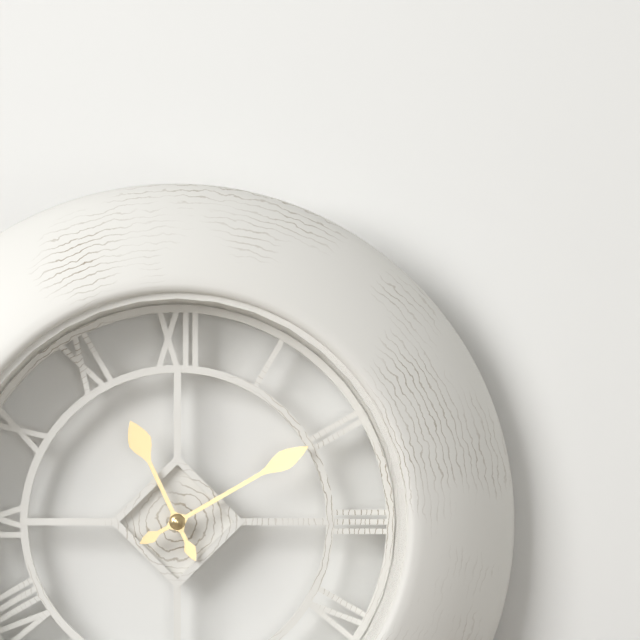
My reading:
**11:10**
